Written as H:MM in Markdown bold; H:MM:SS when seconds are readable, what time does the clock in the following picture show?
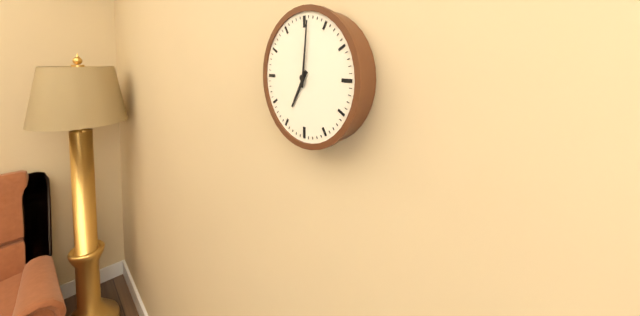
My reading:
**7:01**
